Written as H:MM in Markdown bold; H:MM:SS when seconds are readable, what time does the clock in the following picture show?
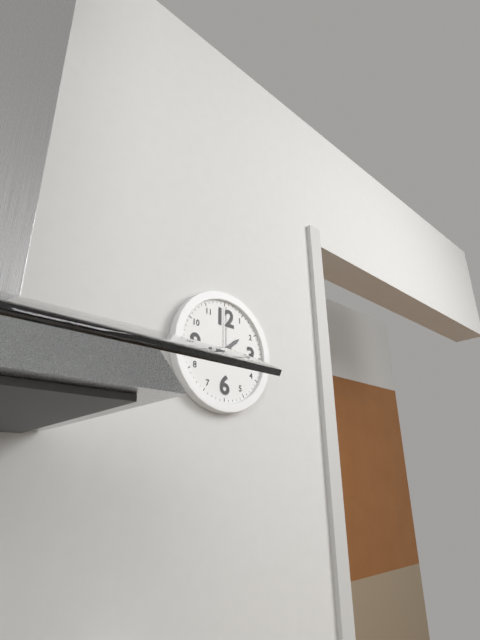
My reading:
**1:43:00**
